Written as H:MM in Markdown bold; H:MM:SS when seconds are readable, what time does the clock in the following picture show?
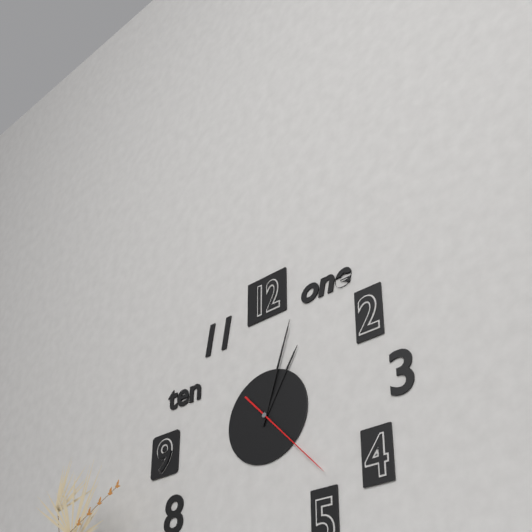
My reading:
**1:03:23**
